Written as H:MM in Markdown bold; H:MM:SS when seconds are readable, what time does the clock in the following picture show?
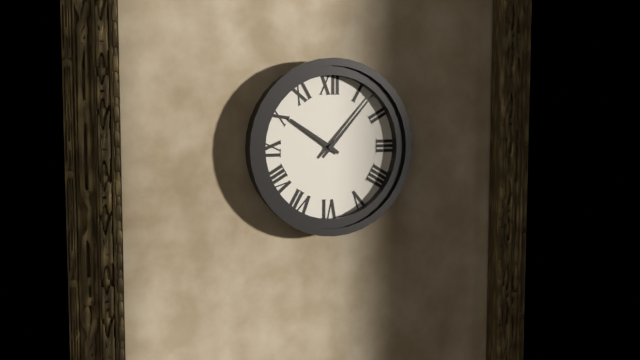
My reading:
**10:07**
